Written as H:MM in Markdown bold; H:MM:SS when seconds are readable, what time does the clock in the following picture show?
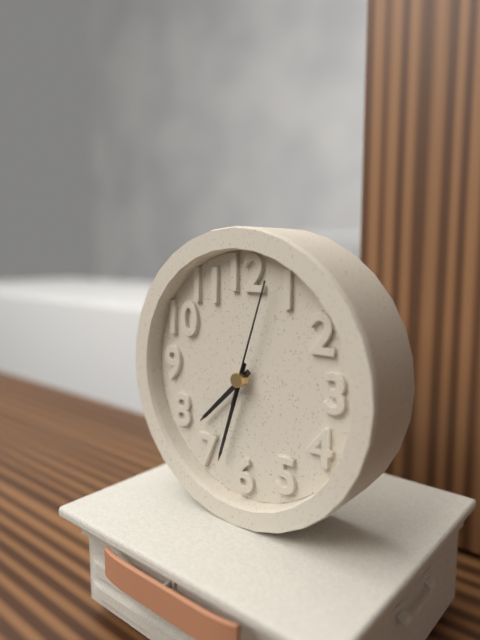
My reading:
**7:33:03**
